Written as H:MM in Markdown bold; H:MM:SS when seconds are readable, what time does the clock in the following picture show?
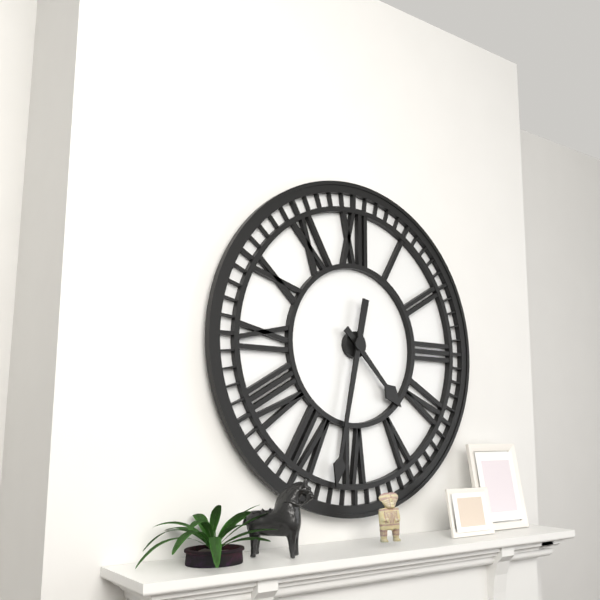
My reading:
**4:32**
